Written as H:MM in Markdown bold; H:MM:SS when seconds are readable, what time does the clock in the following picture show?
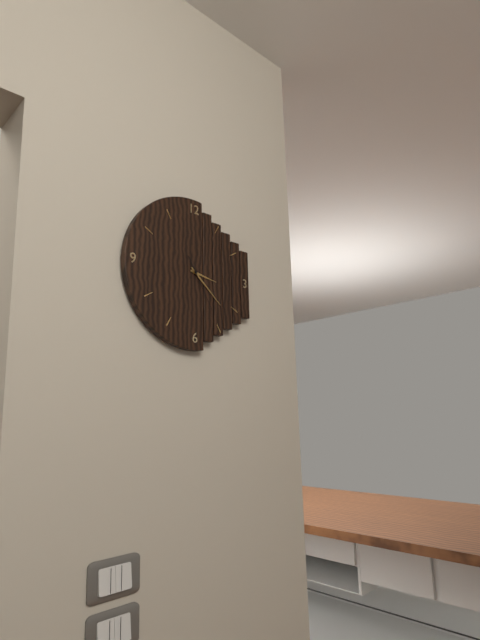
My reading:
**3:22:25**
